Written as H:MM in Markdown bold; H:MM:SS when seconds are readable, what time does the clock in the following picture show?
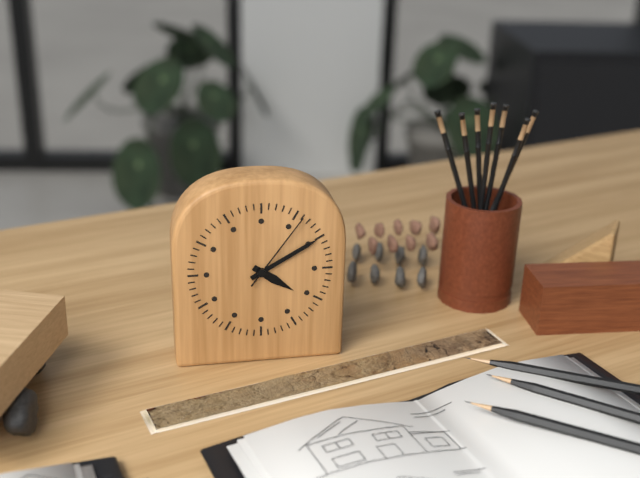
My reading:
**4:10:06**
